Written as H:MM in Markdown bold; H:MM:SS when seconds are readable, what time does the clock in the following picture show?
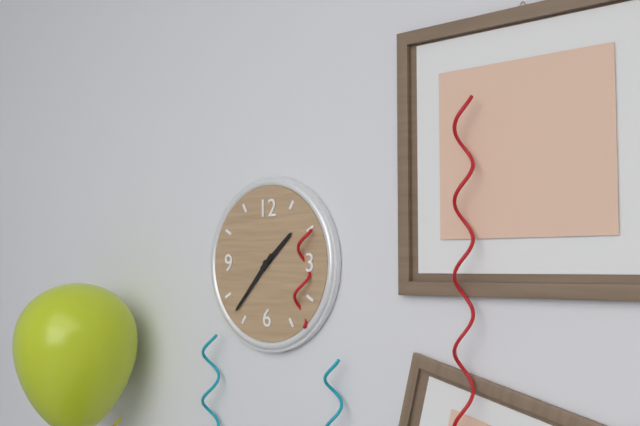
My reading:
**1:37**
